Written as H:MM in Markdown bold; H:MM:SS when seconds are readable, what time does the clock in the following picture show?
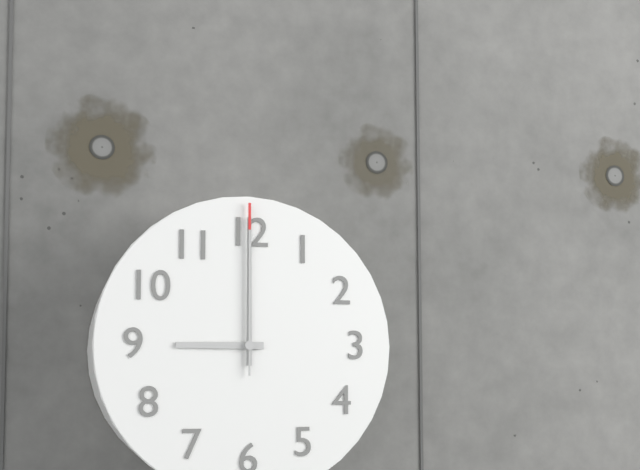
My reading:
**9:00:00**
